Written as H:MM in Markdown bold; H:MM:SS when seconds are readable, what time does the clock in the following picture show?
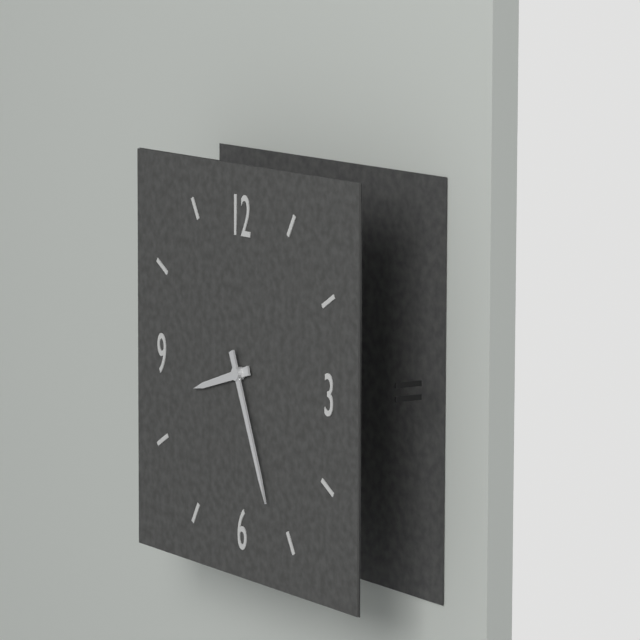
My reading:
**8:26**
